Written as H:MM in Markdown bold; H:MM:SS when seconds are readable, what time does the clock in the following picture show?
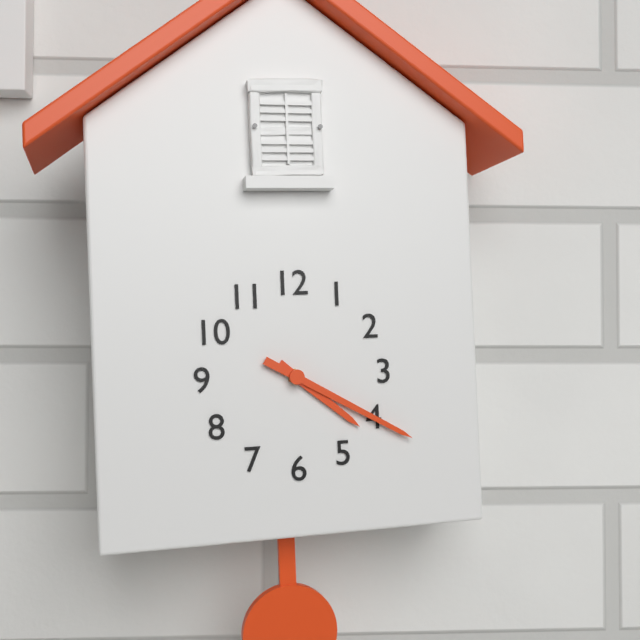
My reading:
**4:20**
